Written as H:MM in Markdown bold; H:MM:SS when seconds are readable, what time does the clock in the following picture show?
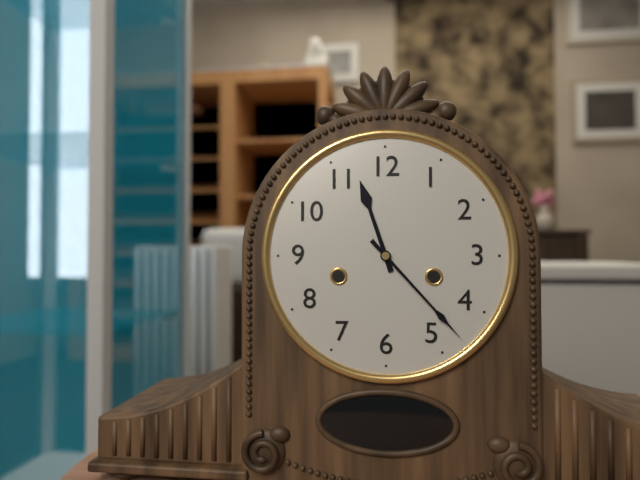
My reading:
**11:23**
